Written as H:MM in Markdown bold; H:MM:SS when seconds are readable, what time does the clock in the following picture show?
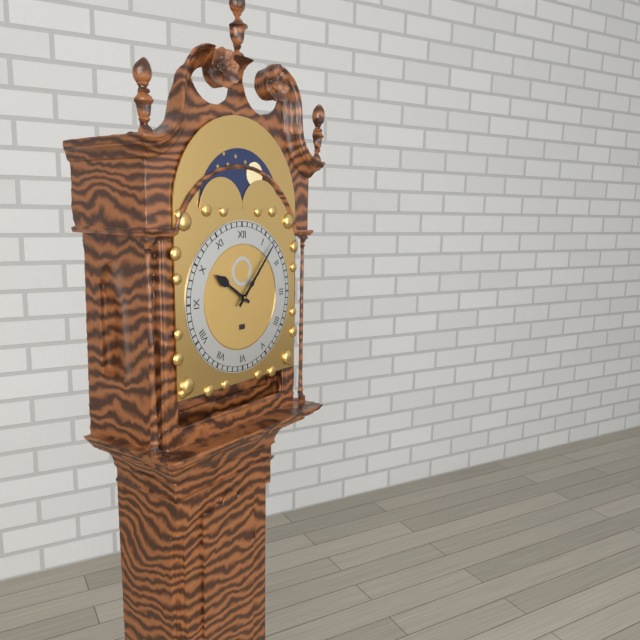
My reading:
**10:07**
